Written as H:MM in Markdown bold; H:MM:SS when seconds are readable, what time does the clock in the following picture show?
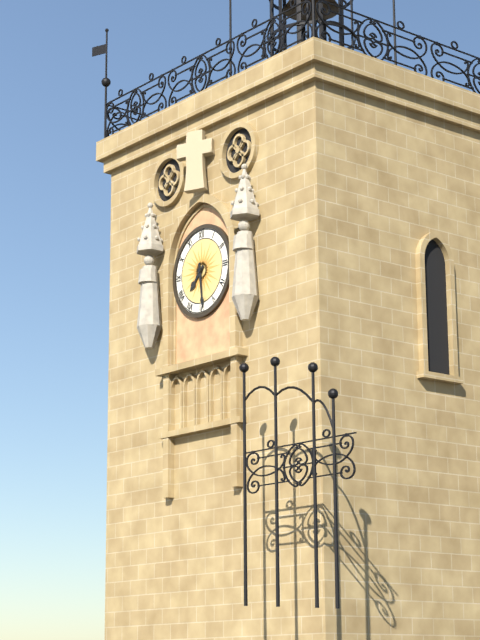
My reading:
**7:29**
